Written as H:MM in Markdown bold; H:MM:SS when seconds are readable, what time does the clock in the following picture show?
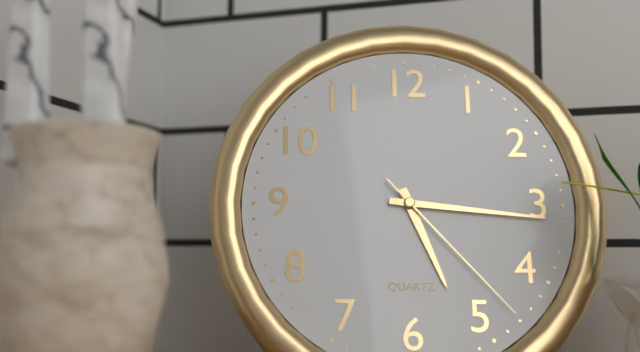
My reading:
**5:16:23**
